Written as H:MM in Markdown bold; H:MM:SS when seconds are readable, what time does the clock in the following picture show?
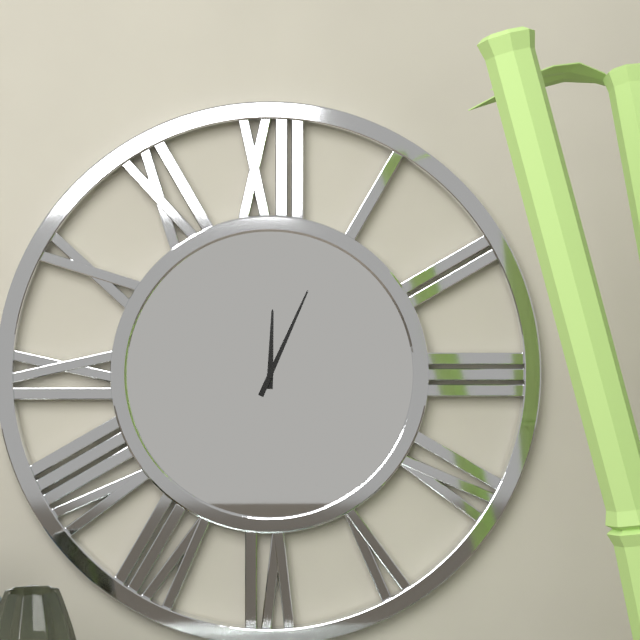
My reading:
**12:04**
